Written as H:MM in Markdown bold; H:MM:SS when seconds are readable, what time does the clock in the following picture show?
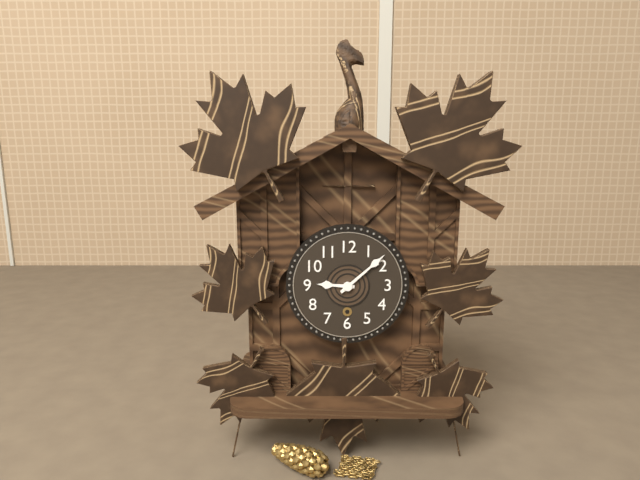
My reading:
**9:08**
